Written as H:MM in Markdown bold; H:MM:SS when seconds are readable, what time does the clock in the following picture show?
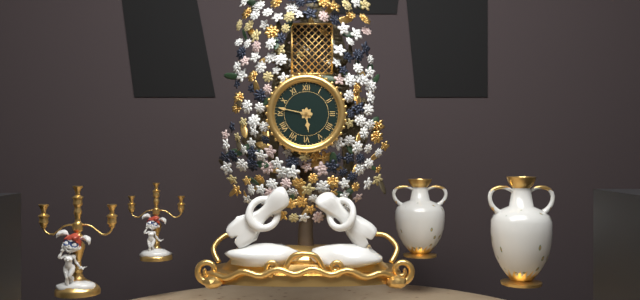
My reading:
**5:47**
